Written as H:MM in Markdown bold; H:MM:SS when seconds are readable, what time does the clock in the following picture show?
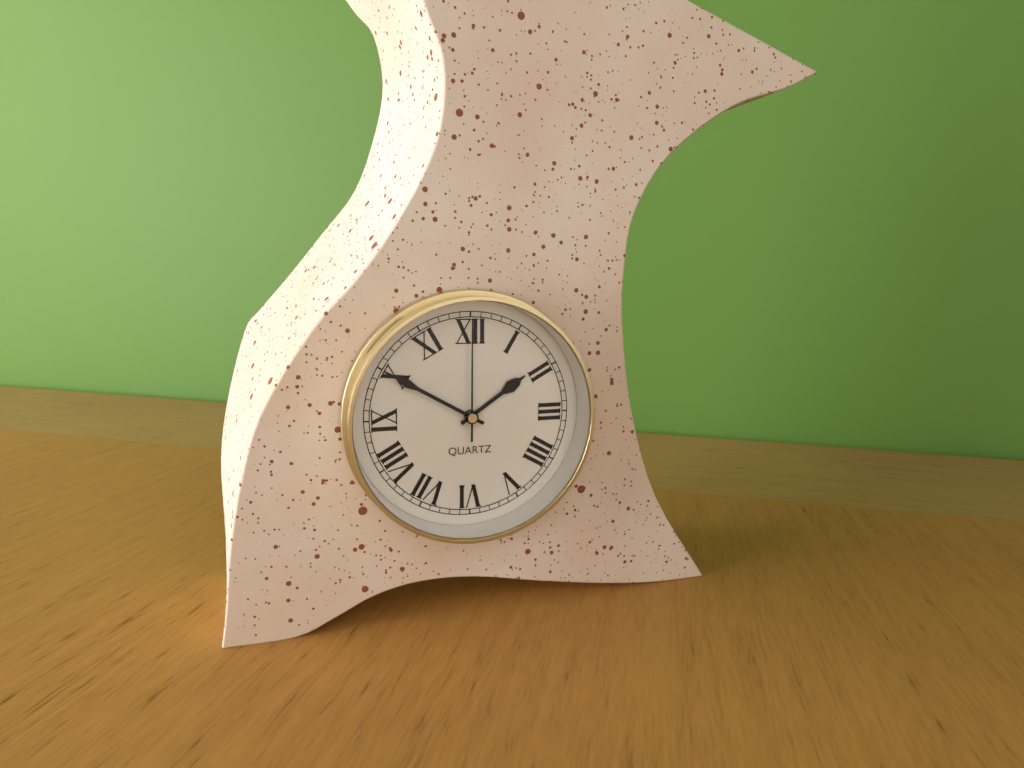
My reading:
**1:50:00**
